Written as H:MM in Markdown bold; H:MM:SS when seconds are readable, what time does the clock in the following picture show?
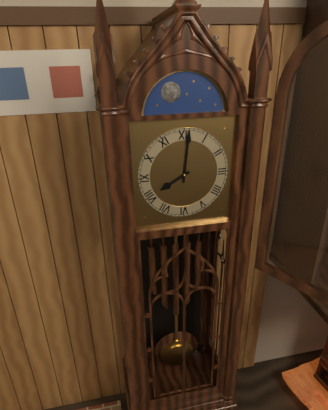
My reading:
**8:01**
